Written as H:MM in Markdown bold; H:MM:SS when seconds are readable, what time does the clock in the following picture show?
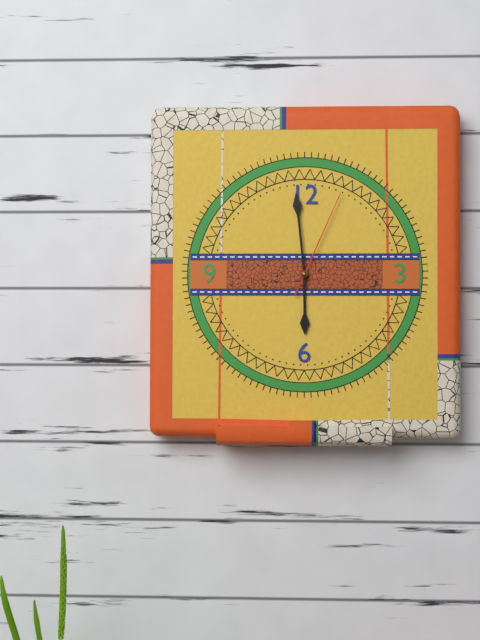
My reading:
**5:59:04**
